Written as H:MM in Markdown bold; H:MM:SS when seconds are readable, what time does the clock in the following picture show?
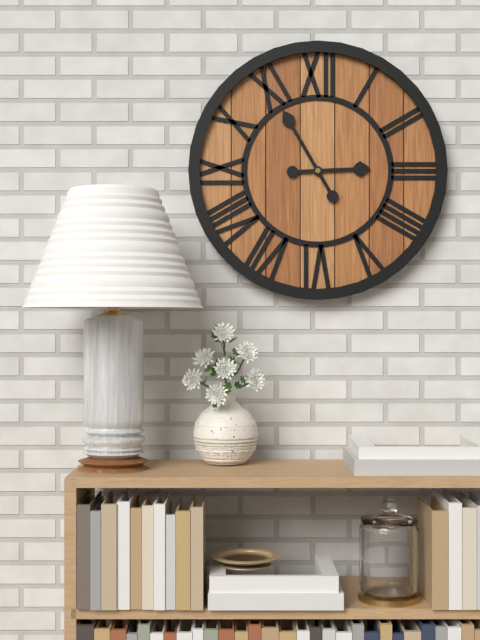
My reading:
**2:55**
